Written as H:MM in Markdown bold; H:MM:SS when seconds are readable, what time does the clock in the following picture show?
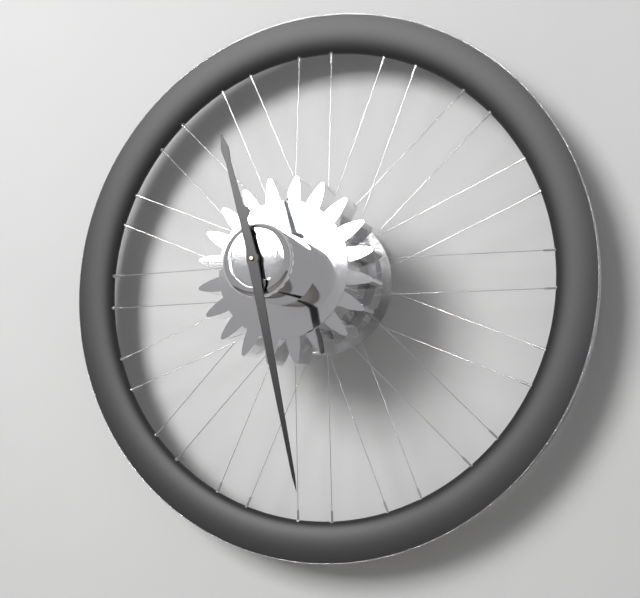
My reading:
**11:28**
